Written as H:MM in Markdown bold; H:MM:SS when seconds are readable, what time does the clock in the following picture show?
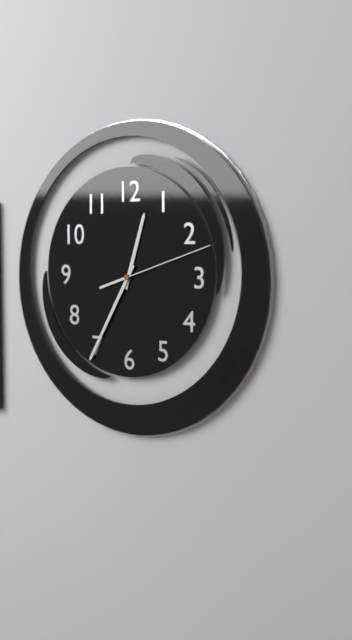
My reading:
**12:35:12**
